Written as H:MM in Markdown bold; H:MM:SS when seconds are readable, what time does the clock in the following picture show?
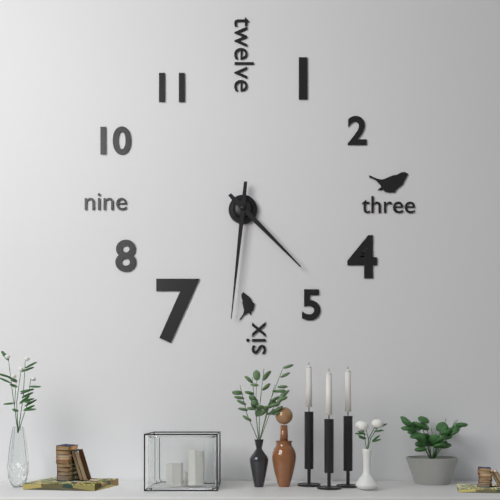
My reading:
**4:31**
